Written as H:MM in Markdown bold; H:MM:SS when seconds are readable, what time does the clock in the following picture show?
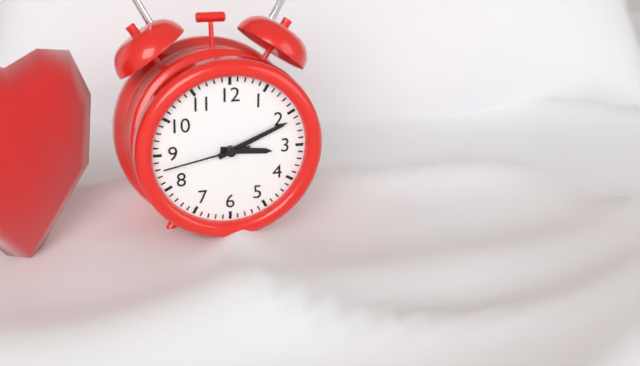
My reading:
**3:11:43**
